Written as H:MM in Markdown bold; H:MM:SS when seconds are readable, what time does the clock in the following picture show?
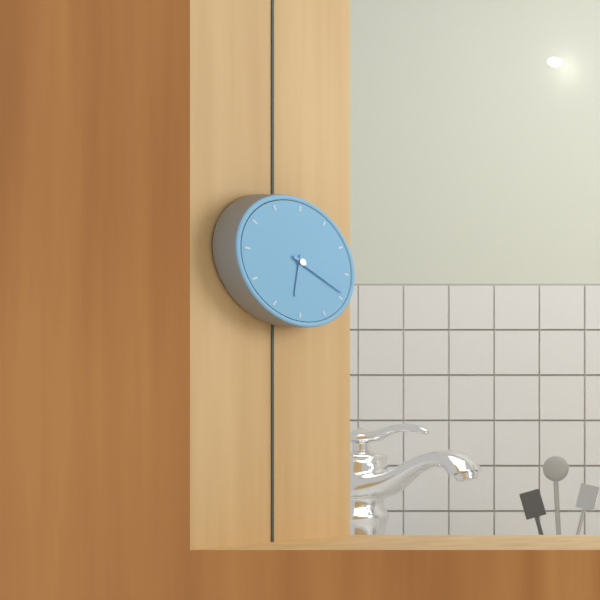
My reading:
**6:19**
